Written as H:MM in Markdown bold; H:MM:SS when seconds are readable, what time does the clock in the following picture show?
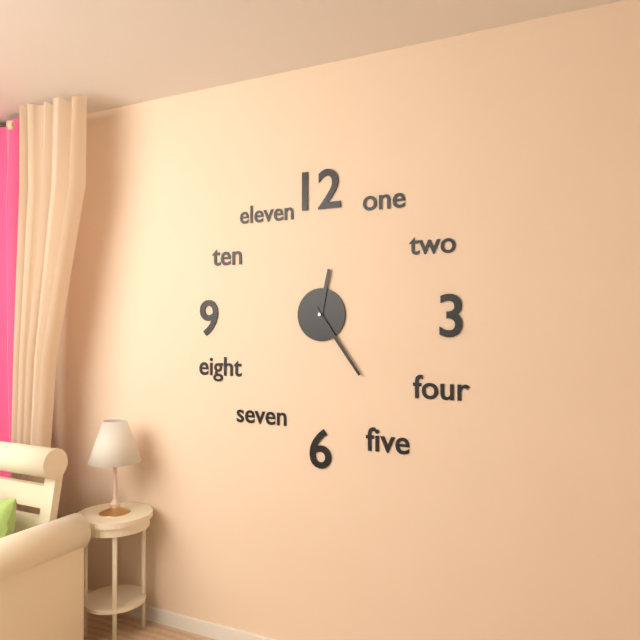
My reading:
**12:24**
